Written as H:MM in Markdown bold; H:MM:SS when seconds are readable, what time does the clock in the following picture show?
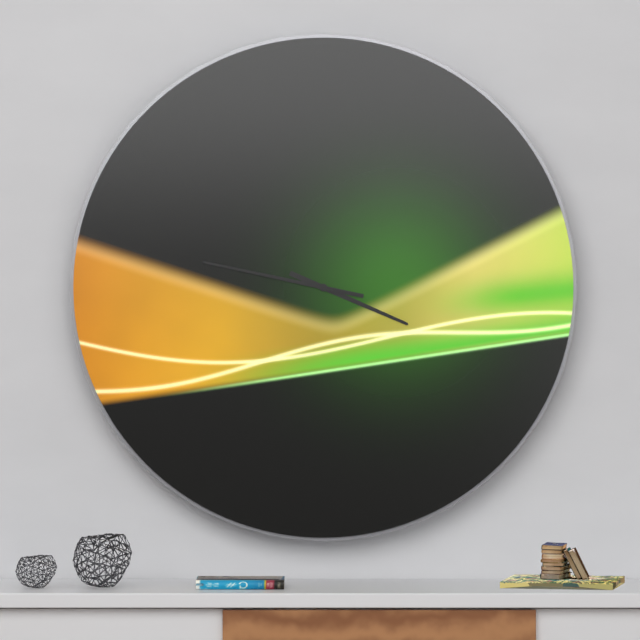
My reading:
**3:47**
